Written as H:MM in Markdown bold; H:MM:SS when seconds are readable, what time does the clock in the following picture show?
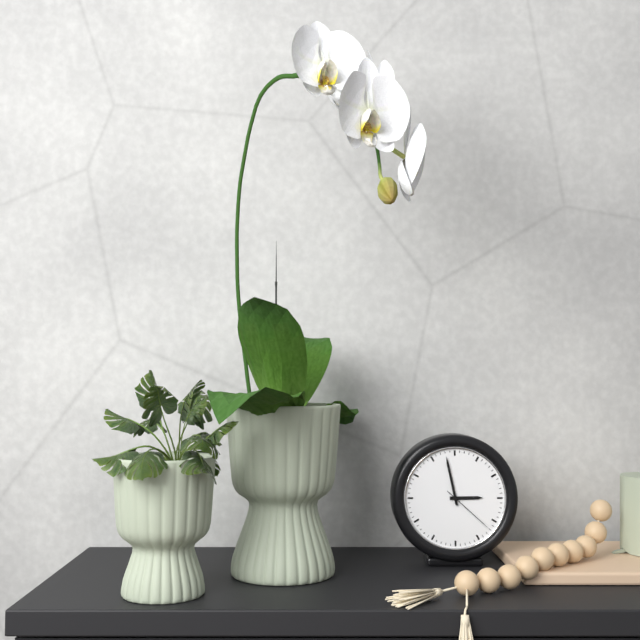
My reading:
**2:58:22**
